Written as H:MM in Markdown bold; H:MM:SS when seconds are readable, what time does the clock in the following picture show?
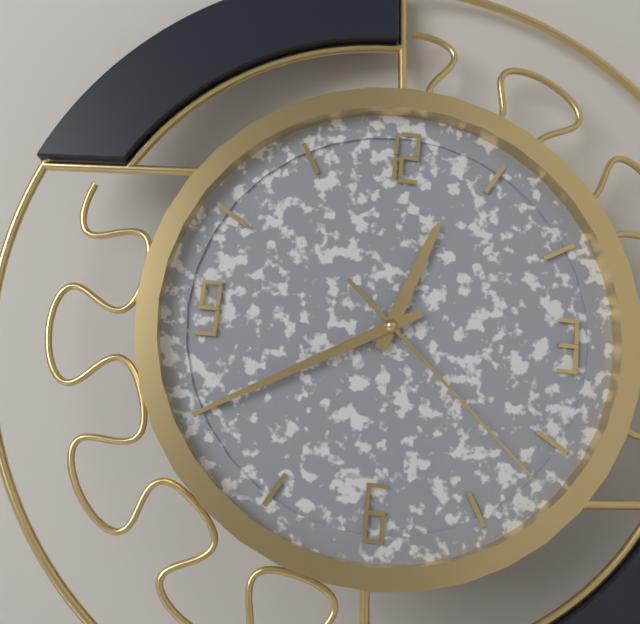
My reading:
**12:40:22**
